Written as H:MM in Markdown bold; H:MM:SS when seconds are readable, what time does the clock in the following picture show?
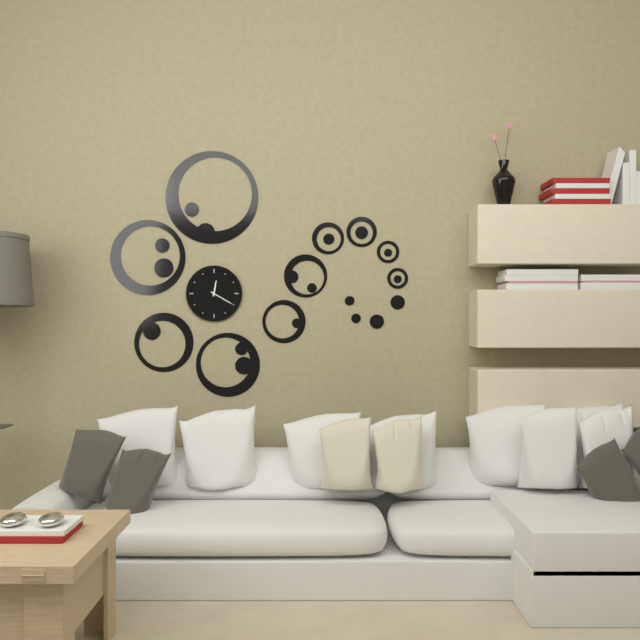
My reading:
**12:20**
